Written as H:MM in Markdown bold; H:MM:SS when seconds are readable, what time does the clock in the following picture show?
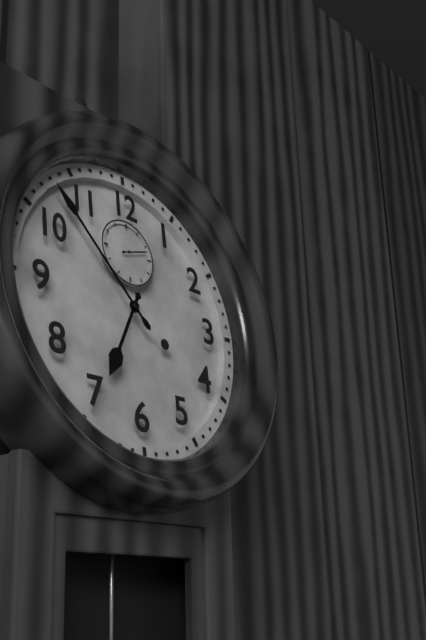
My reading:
**6:53**
